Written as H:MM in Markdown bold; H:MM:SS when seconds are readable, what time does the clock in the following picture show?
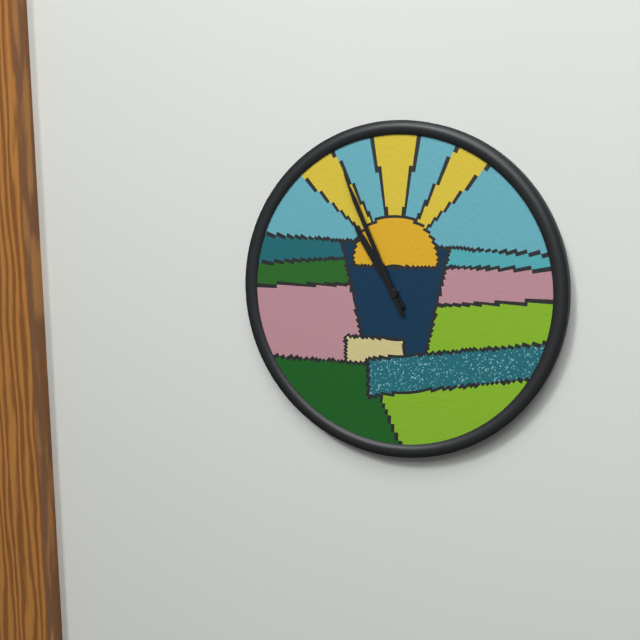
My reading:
**10:56**
